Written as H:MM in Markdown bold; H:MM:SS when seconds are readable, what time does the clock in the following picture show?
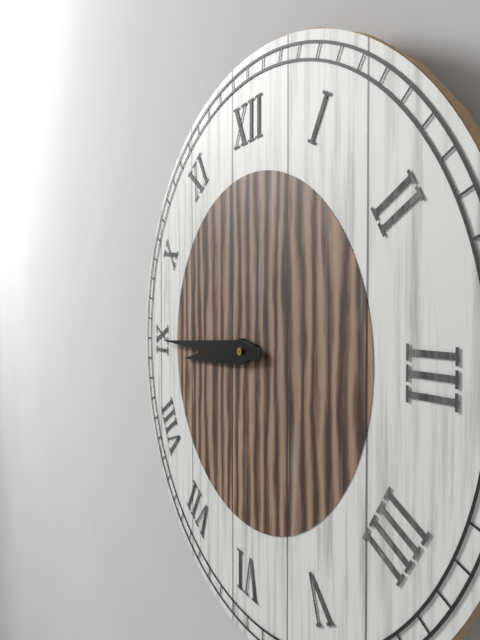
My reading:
**8:45**
